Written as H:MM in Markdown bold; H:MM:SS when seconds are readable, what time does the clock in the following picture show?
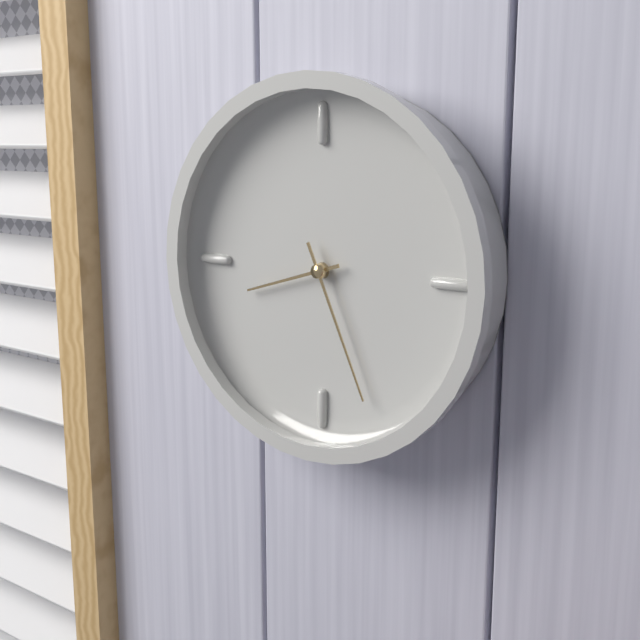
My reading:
**8:26**
